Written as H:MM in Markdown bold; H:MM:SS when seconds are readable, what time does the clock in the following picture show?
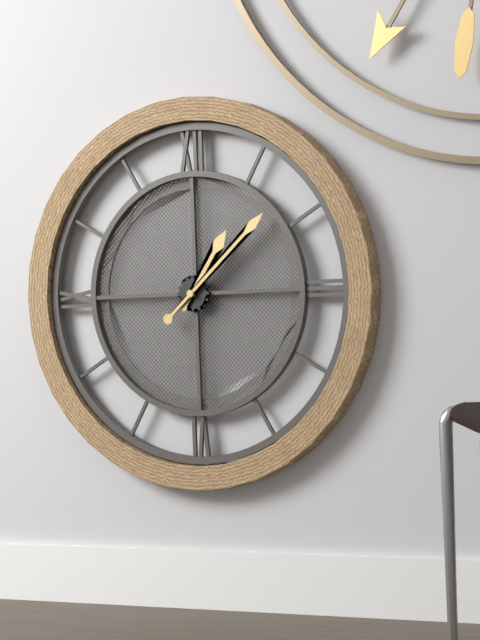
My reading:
**1:08**
